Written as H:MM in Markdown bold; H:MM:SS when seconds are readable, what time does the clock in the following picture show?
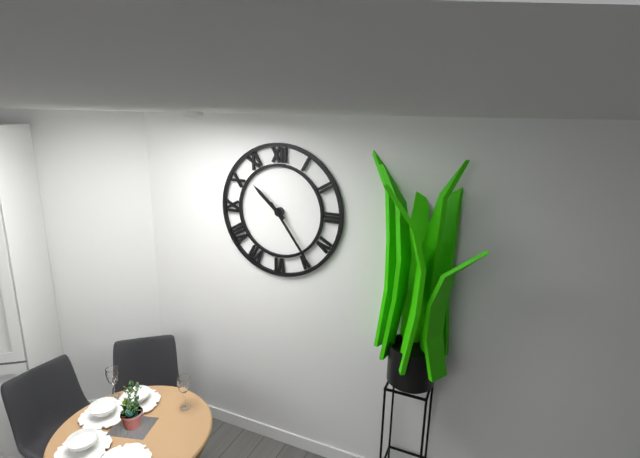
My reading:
**10:24**
